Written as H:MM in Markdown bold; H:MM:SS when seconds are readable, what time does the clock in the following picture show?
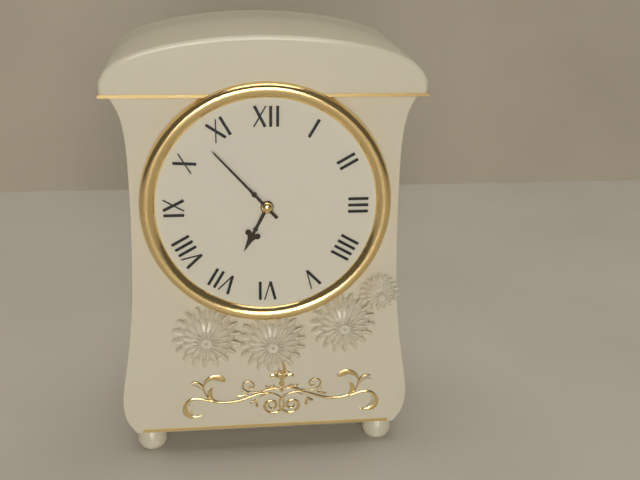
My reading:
**6:53**
